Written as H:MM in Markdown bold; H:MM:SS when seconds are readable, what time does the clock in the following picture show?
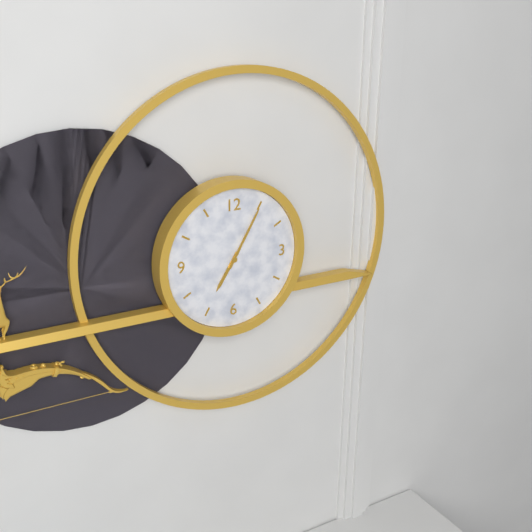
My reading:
**7:05**
